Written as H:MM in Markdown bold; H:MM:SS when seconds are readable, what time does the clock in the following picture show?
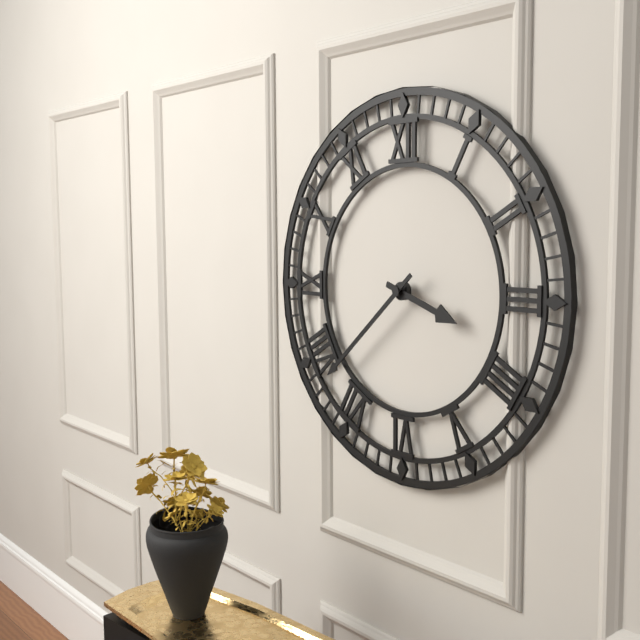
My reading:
**3:38**
